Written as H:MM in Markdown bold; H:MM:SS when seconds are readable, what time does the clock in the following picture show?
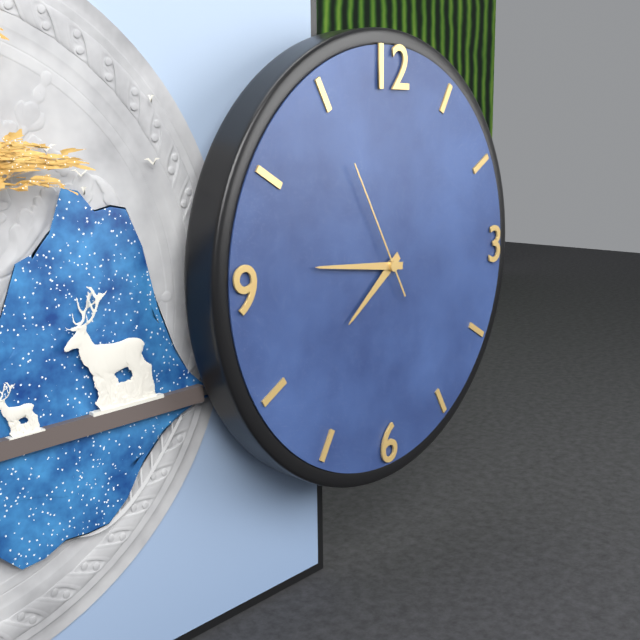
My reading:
**7:46:55**
